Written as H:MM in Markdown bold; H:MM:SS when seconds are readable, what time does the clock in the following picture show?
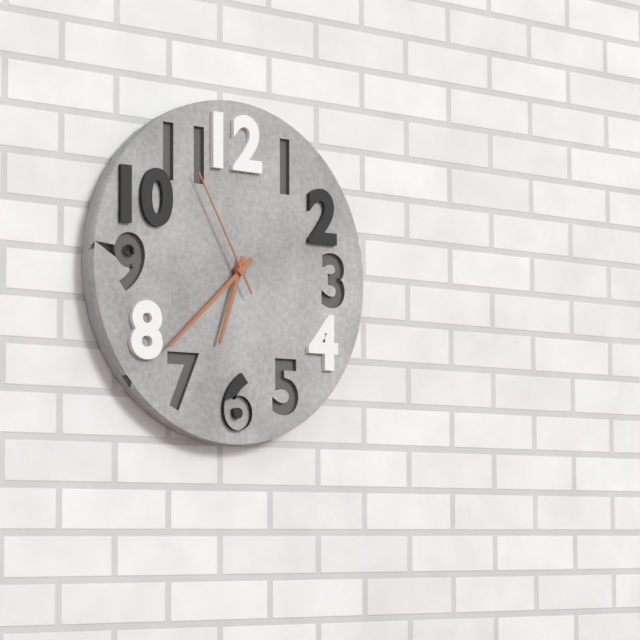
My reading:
**6:38:55**
